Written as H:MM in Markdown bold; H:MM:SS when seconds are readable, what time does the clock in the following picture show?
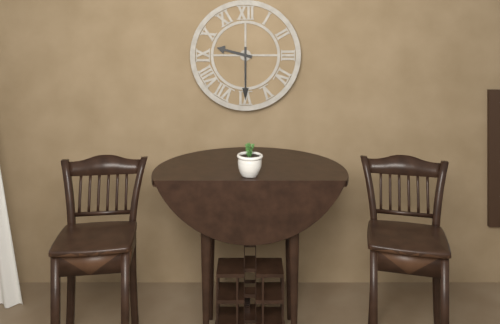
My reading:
**9:30**
